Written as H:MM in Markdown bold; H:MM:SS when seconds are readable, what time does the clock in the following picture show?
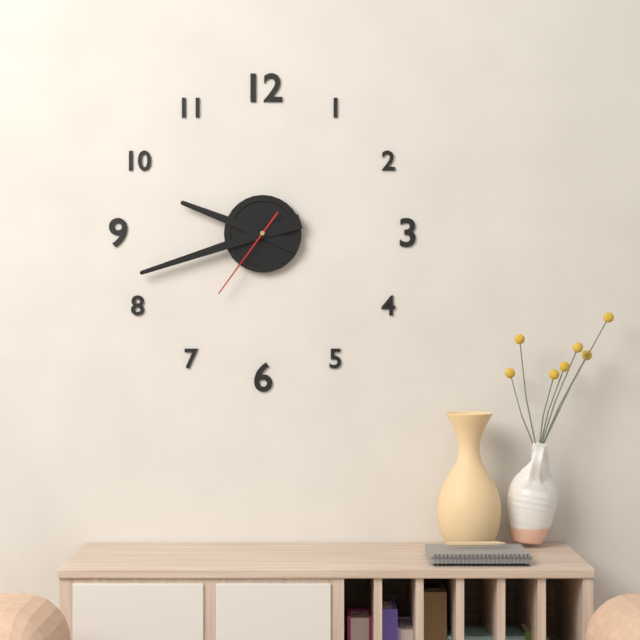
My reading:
**9:42:36**
